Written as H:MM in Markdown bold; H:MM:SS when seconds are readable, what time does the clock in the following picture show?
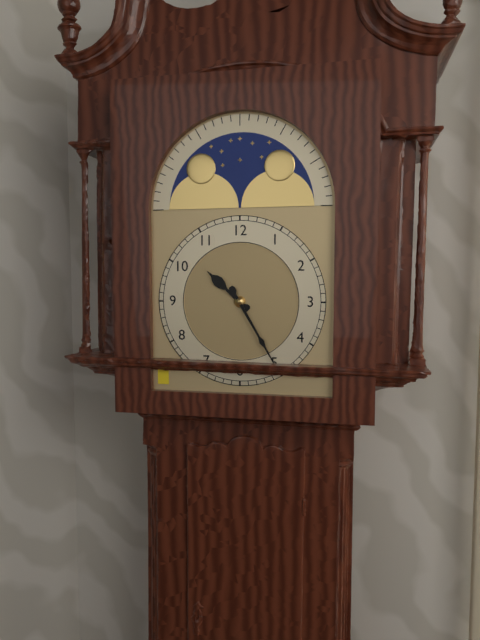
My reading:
**10:25**
